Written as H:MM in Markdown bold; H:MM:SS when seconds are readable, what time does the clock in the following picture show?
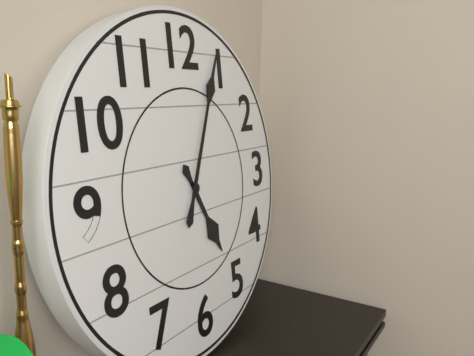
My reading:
**5:04**
